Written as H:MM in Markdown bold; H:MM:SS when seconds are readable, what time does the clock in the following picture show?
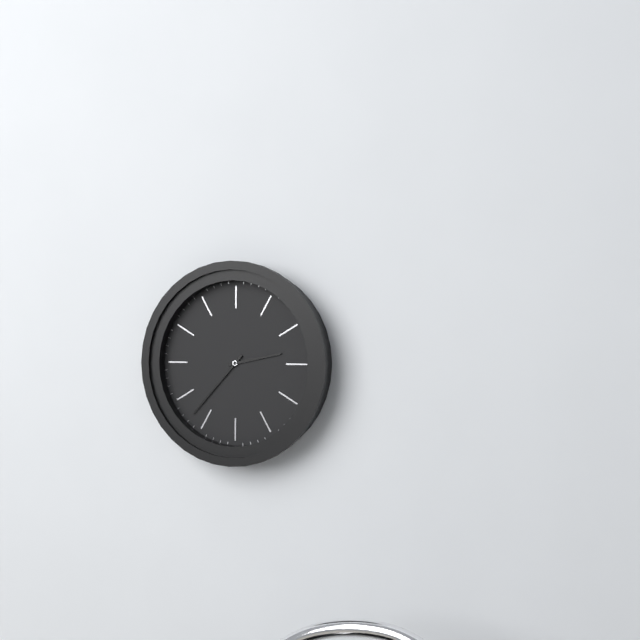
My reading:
**2:37**
